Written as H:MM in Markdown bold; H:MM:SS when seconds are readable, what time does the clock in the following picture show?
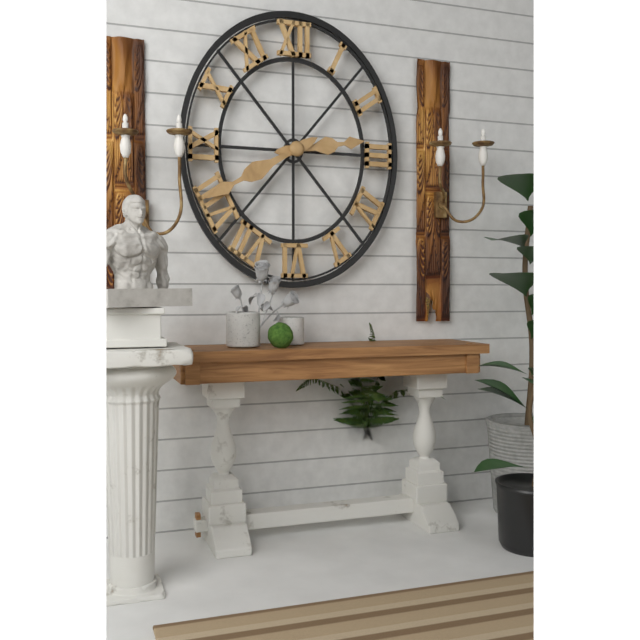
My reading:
**2:40**
